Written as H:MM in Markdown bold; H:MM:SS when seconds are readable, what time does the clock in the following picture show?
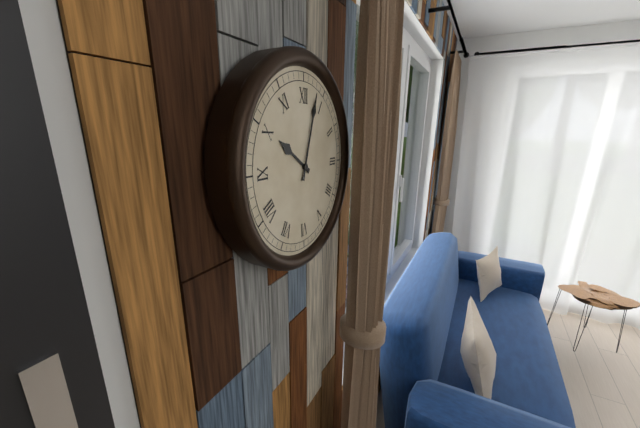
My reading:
**10:03**
